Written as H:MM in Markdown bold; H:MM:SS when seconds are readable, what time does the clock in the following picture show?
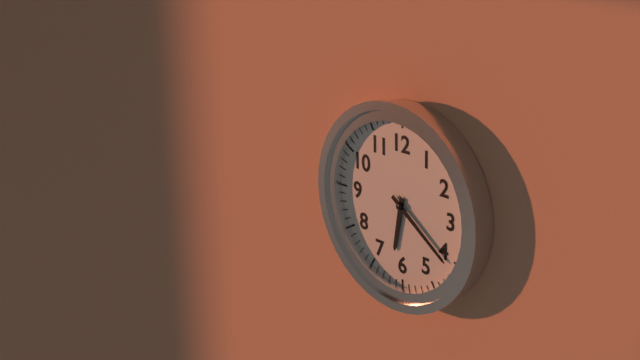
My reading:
**6:21**
